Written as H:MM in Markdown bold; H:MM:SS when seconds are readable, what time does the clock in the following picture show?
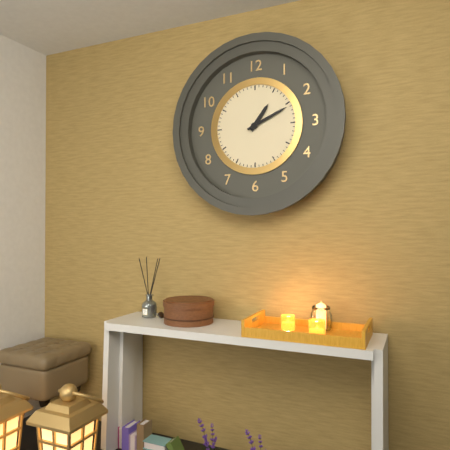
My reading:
**1:11**
